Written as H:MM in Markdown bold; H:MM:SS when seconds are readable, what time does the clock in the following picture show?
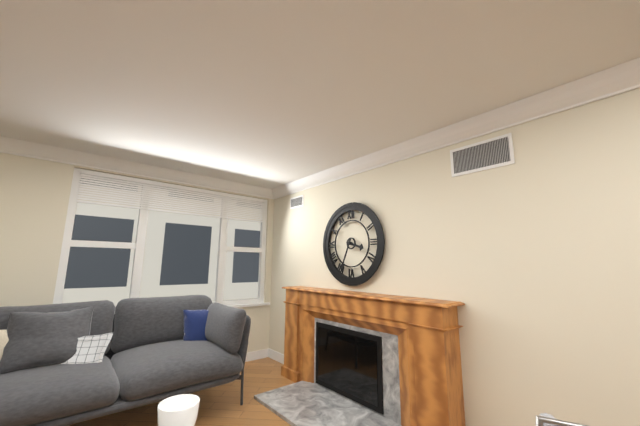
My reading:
**3:34**
